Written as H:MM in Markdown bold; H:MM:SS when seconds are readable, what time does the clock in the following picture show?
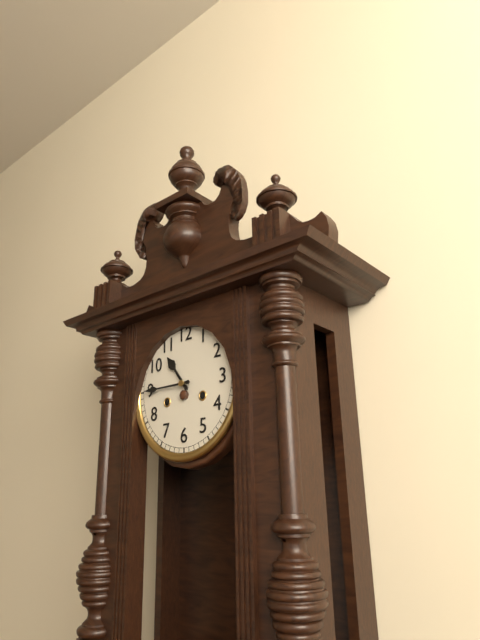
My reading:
**10:45**
